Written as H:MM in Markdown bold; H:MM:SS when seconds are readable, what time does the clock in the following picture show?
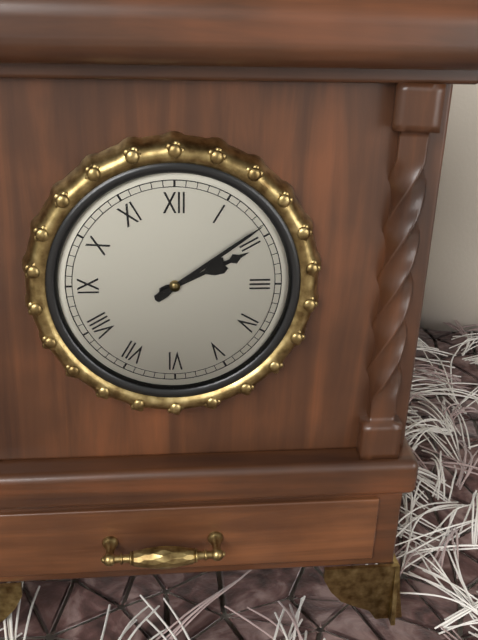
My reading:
**2:09**
